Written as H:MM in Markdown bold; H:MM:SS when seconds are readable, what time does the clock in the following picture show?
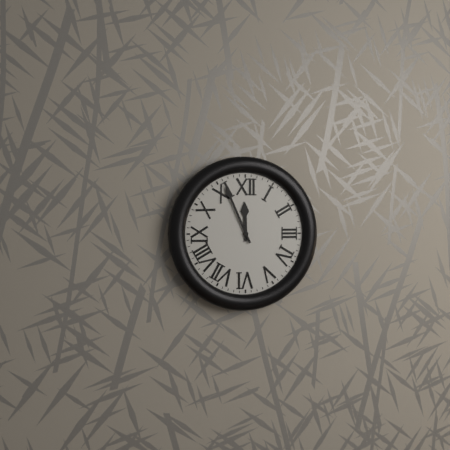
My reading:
**11:56**
